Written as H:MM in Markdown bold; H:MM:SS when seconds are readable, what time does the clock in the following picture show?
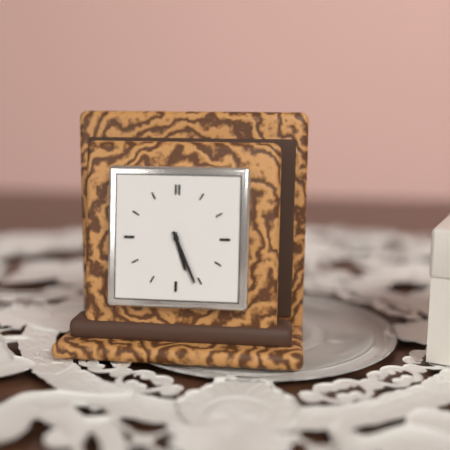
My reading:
**5:26**
